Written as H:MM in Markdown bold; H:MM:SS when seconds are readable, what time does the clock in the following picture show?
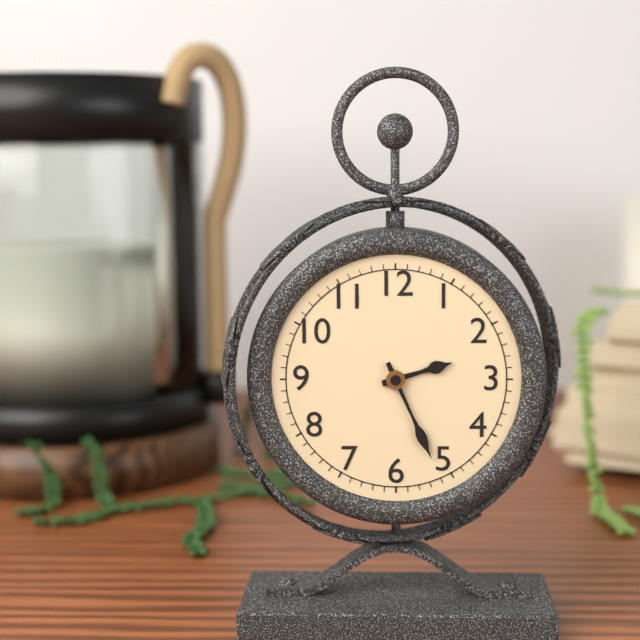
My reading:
**2:26**
